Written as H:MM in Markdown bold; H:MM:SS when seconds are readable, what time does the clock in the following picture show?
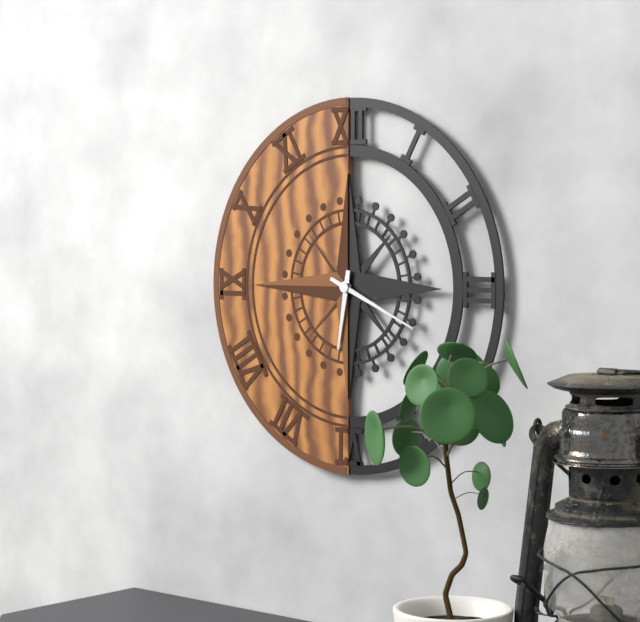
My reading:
**6:19**
